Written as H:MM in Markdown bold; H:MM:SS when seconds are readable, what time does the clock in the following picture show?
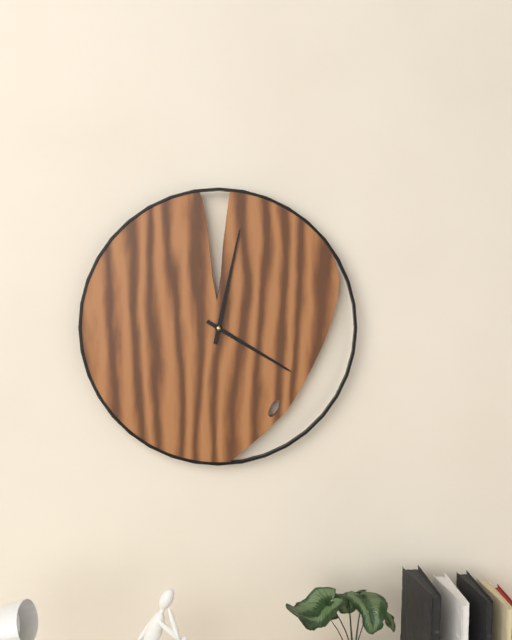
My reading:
**4:02**
